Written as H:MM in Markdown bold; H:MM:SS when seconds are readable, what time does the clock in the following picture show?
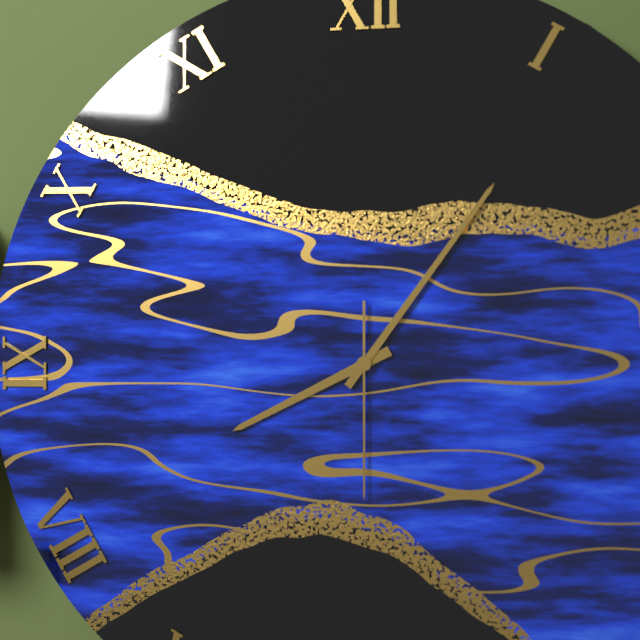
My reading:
**8:06:30**
